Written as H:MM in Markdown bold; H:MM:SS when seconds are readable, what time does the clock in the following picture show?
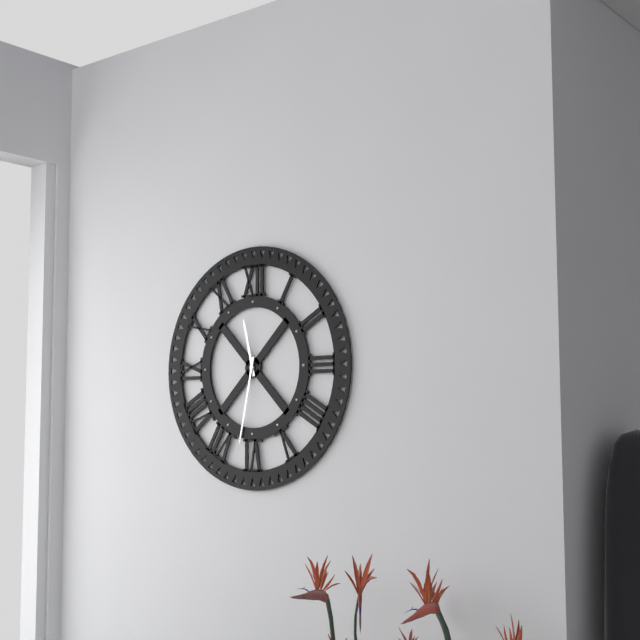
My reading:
**11:32**
